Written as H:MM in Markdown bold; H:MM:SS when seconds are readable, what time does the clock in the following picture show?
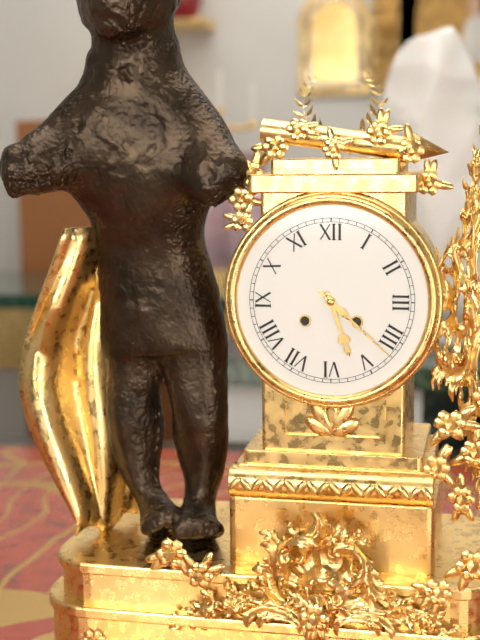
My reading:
**5:22**
